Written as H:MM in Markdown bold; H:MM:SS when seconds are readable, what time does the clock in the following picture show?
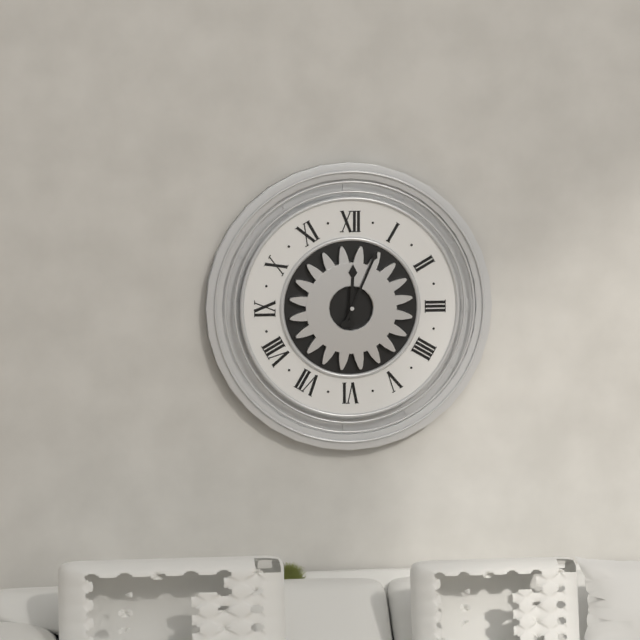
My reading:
**12:04**
